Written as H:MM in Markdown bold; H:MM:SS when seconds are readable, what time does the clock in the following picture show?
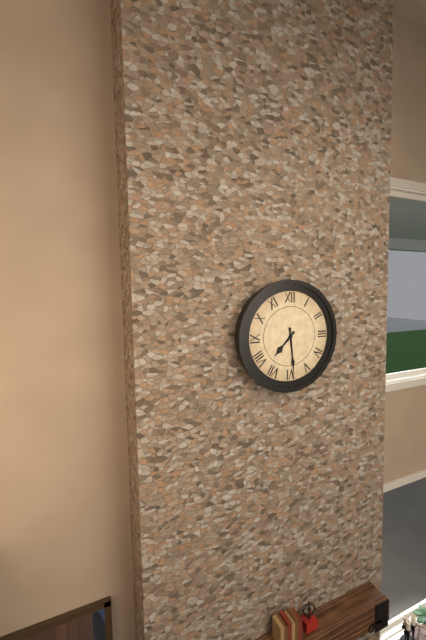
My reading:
**7:29**
